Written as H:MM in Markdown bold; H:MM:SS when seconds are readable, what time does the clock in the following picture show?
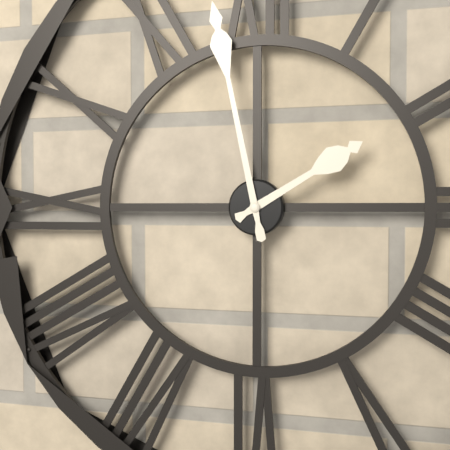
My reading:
**1:58**
